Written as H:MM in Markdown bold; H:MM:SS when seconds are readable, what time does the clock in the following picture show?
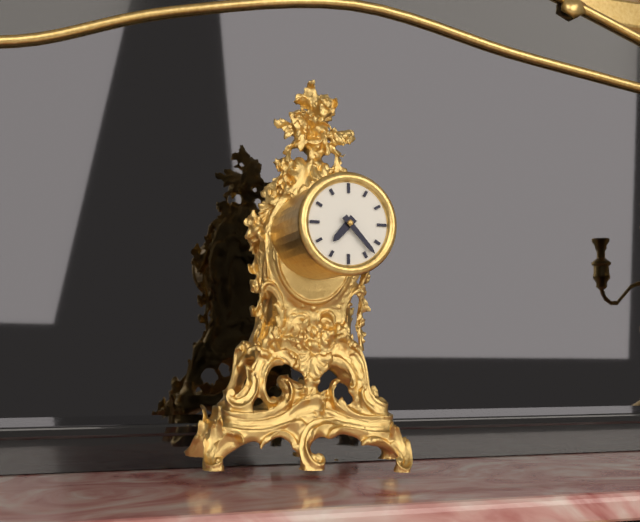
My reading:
**7:23**
